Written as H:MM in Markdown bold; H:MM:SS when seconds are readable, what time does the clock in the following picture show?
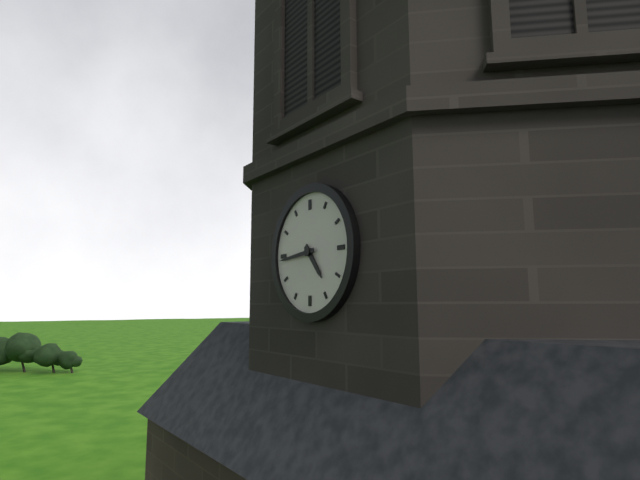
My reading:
**4:44**
